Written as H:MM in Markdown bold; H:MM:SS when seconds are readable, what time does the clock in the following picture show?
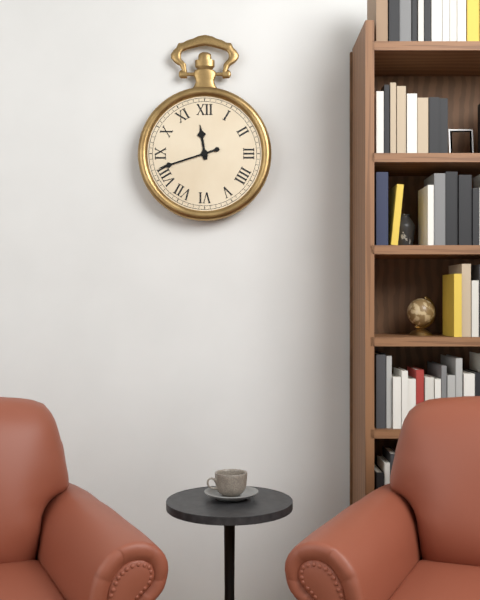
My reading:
**11:42**
